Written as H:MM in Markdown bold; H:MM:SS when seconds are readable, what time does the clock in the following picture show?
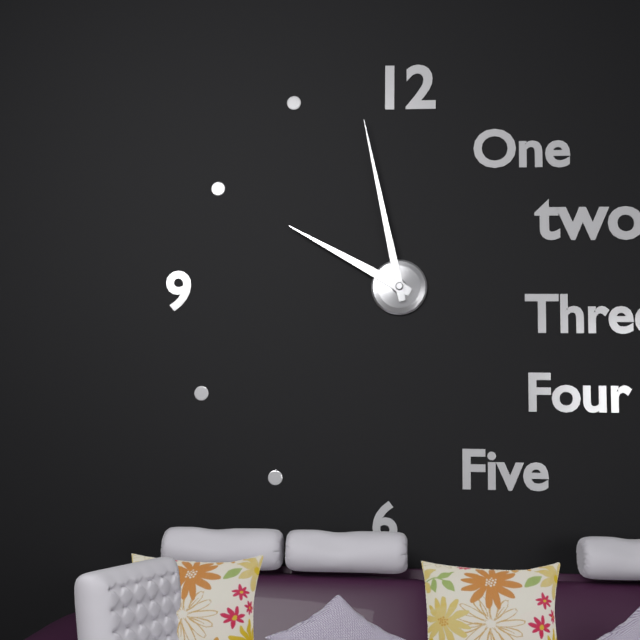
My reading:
**9:58**
